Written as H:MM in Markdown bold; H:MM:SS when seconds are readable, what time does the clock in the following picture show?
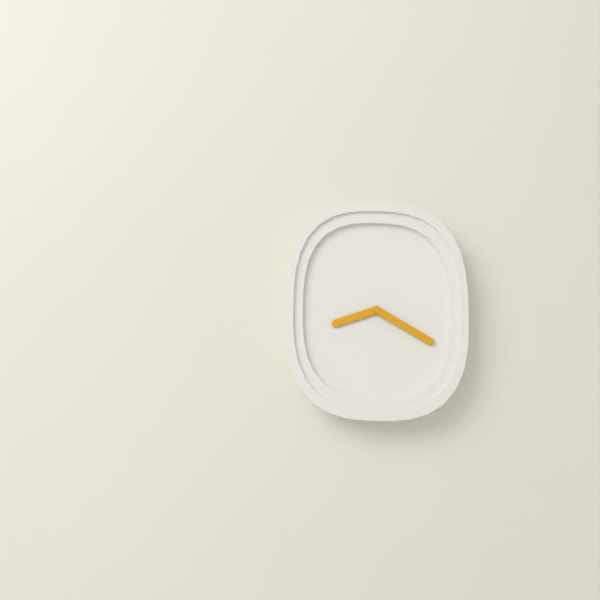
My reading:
**8:20**
